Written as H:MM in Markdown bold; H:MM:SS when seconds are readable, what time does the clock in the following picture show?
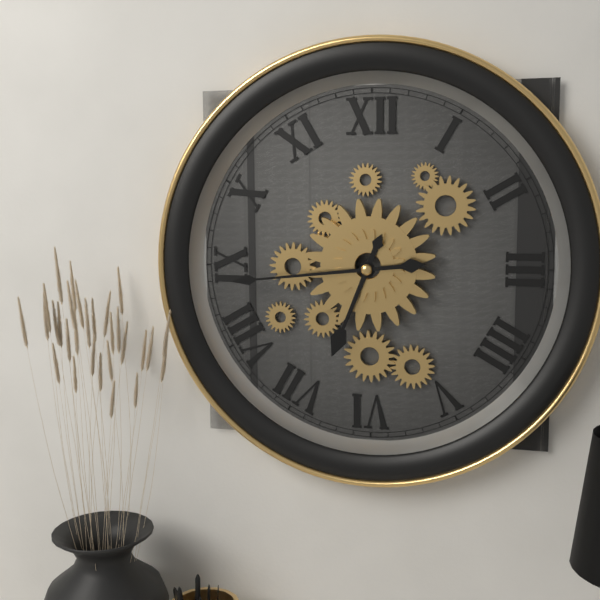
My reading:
**6:44**
